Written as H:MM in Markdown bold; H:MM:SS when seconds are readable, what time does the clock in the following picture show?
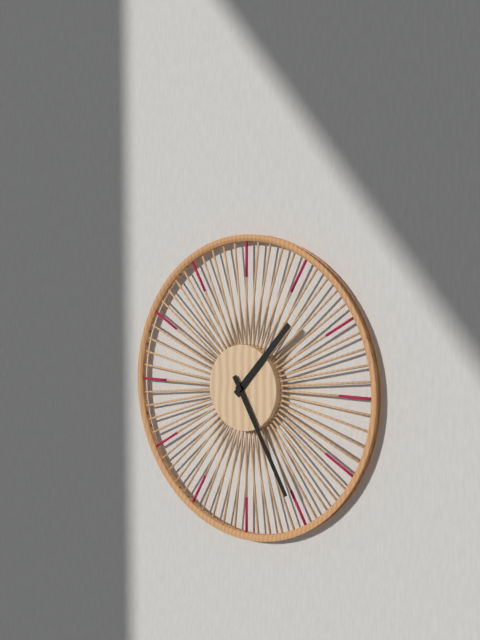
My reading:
**1:25**
